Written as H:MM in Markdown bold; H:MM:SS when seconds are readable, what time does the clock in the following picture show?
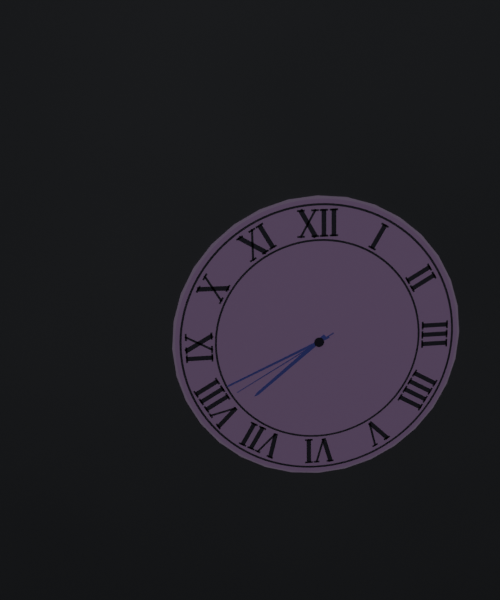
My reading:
**7:41:40**
